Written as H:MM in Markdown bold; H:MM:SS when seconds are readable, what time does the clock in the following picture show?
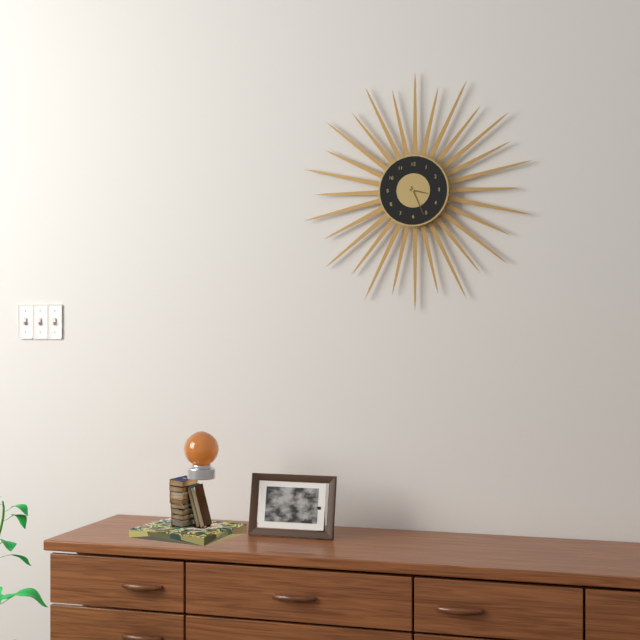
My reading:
**3:26**
